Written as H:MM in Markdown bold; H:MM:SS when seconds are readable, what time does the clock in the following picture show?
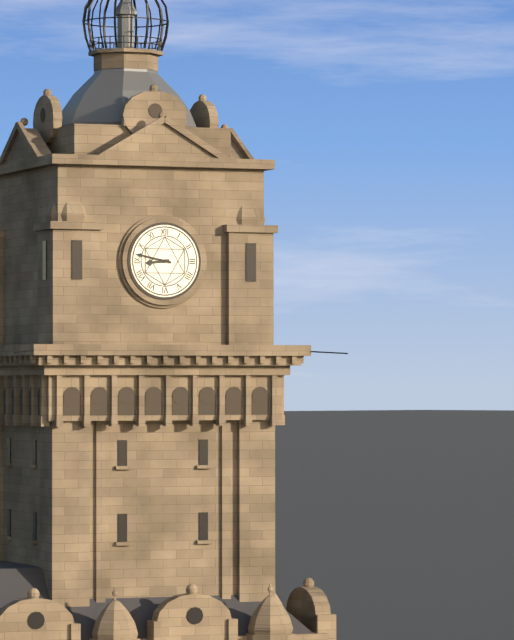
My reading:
**8:47**
